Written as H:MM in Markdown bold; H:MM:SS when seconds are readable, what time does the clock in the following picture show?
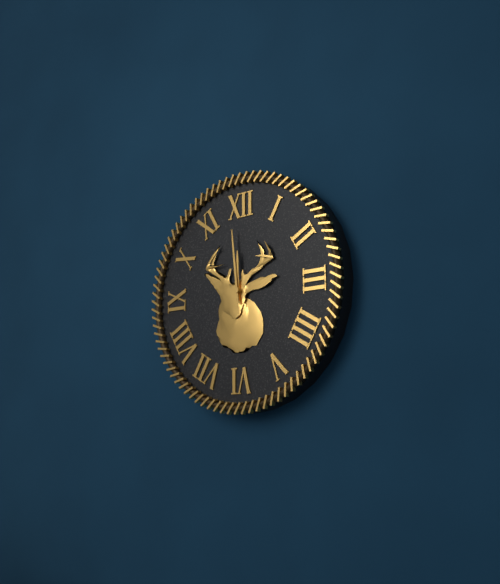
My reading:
**11:59**
